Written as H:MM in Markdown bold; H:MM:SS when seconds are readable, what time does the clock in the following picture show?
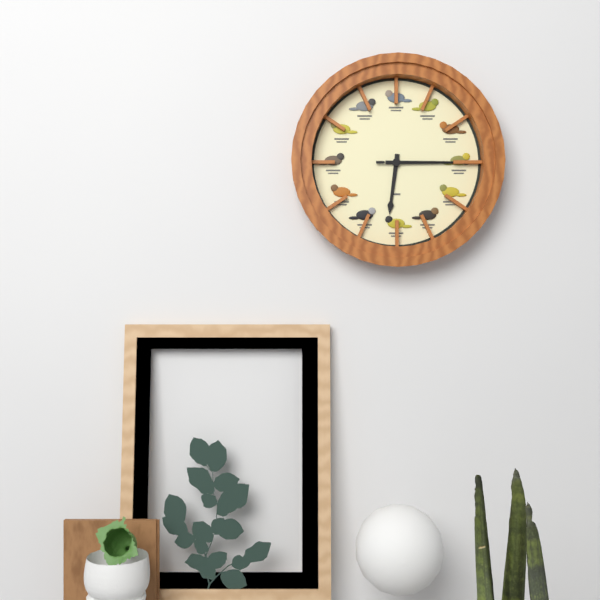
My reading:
**6:15**
